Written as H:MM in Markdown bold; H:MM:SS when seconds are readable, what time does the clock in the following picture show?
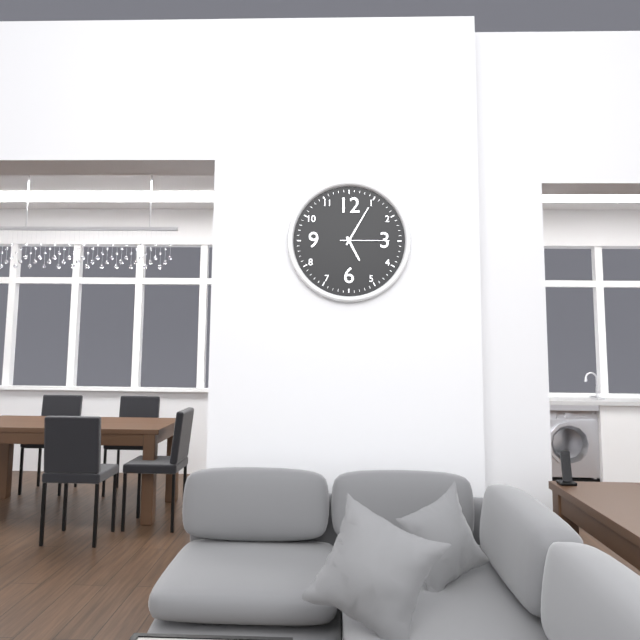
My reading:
**5:05:15**
